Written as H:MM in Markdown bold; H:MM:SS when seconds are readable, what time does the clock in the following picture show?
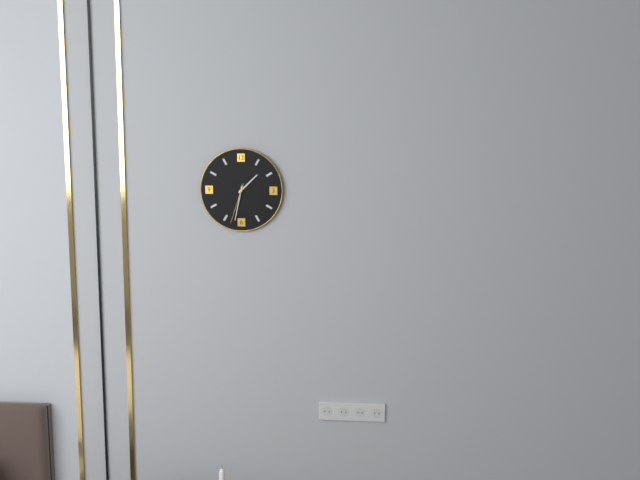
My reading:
**1:32**
